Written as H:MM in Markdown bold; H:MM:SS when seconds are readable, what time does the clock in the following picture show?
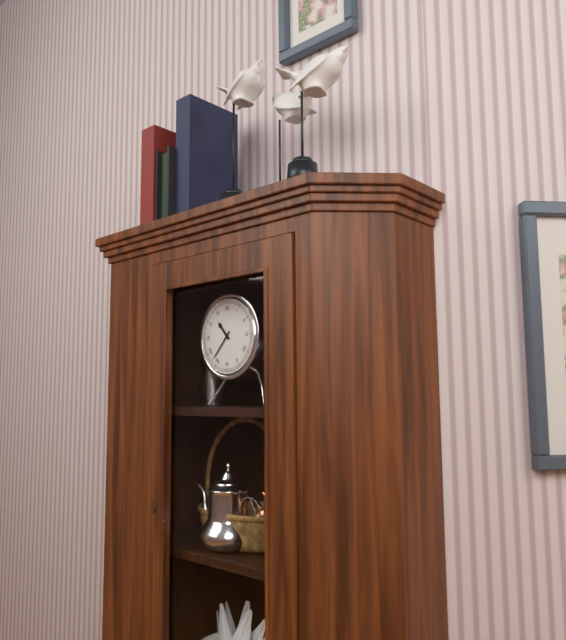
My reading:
**10:37**
